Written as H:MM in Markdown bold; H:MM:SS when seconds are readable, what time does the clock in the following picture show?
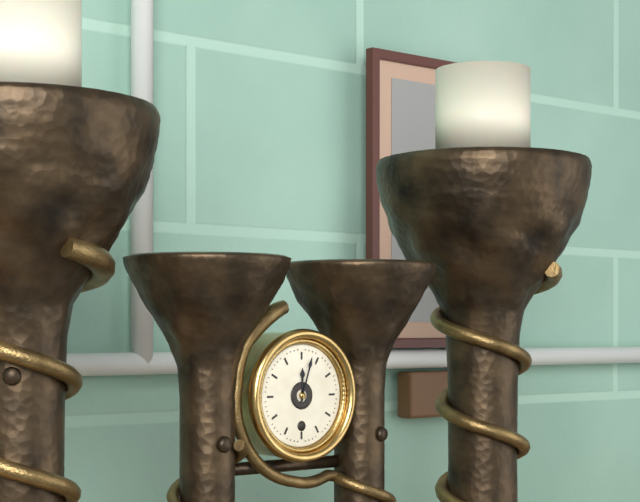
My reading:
**12:03**
